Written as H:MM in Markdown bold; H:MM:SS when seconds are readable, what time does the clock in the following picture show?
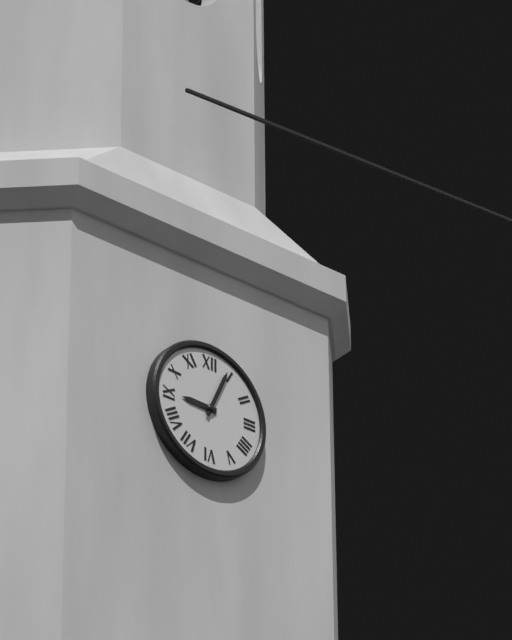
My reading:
**9:04**
